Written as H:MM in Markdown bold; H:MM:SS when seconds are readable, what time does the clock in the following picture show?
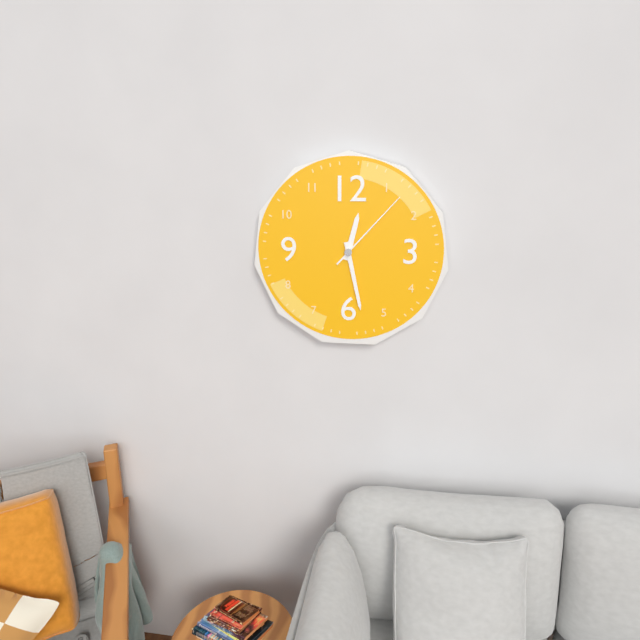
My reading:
**12:28:07**
